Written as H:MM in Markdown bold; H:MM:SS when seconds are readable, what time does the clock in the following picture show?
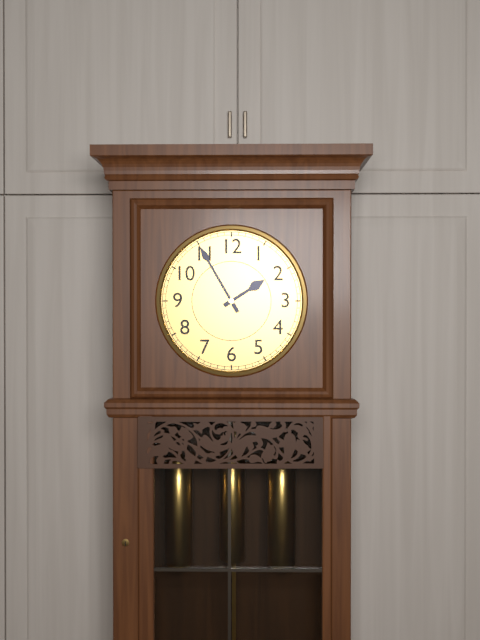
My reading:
**1:55**
